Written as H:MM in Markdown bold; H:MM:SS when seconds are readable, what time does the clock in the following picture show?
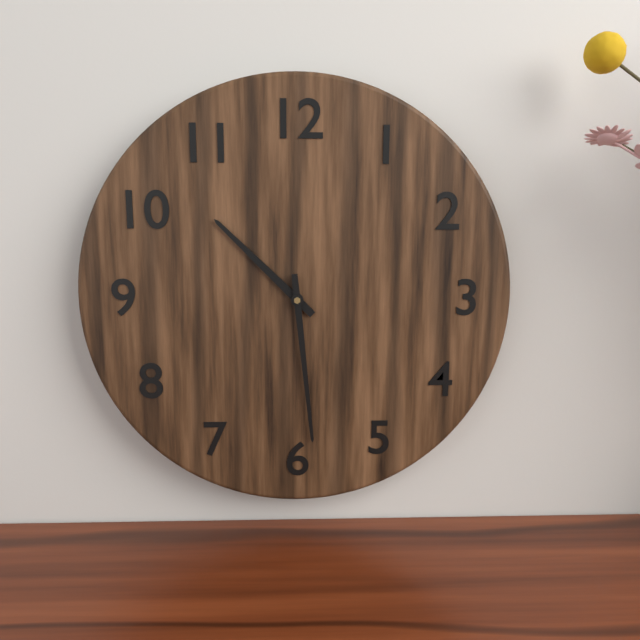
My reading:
**10:29**
